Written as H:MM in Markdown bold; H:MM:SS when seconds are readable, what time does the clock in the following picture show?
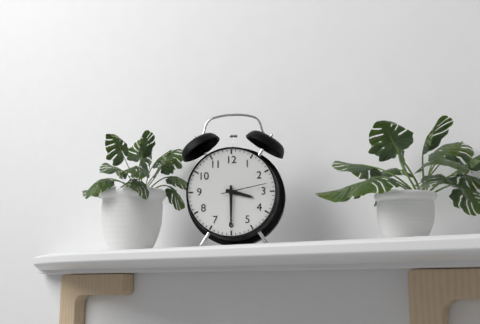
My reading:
**3:30**
